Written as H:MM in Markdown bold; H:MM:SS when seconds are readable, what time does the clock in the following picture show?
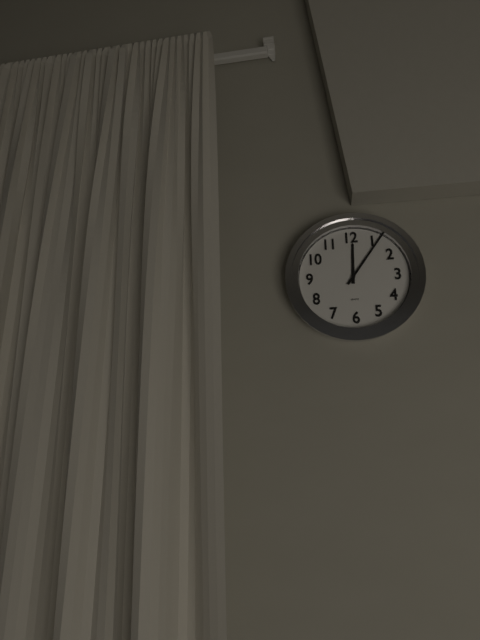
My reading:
**12:06**
